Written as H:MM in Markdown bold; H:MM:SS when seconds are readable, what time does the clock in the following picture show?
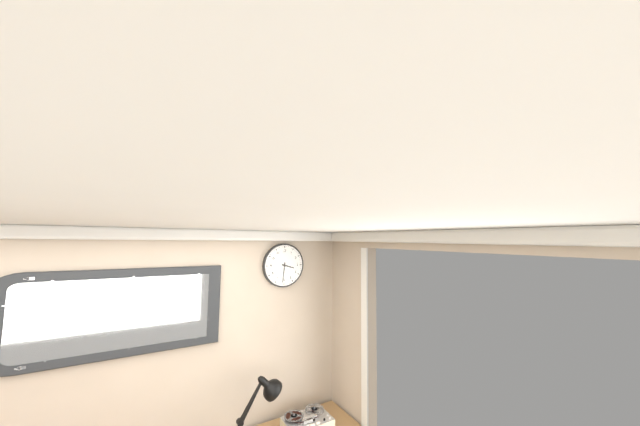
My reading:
**3:31**
